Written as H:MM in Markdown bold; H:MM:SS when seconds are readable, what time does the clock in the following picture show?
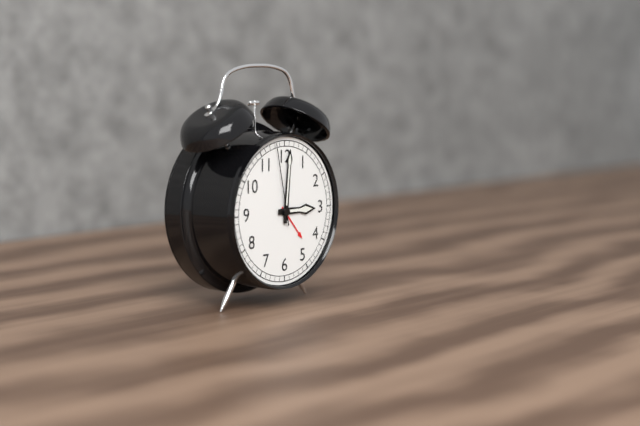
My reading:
**3:01:58**
